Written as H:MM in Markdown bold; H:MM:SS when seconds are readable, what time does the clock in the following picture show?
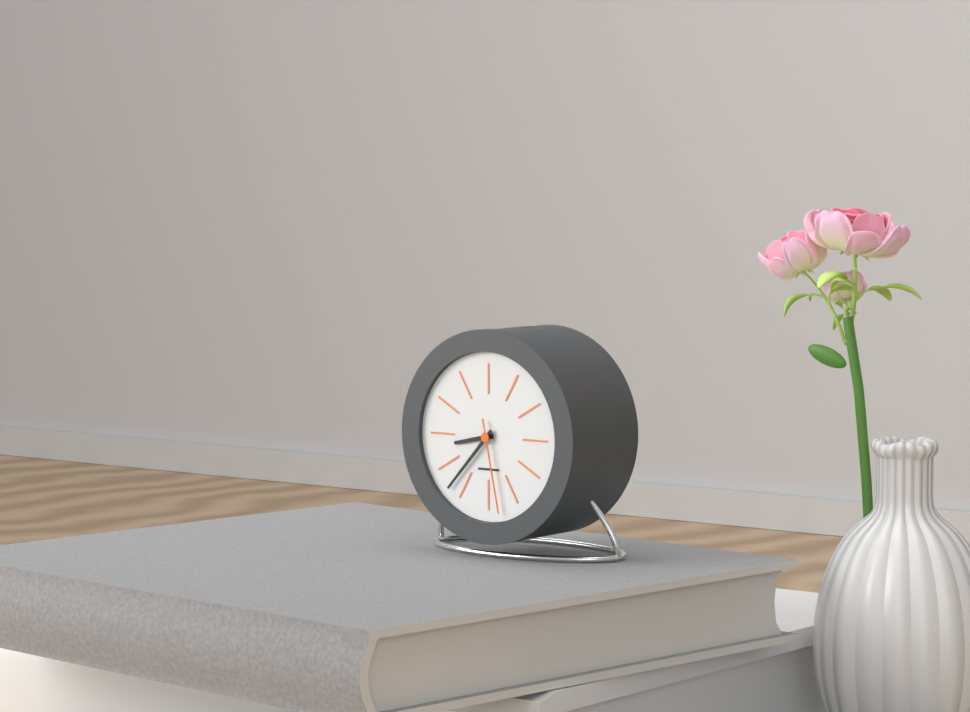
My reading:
**8:37:28**
